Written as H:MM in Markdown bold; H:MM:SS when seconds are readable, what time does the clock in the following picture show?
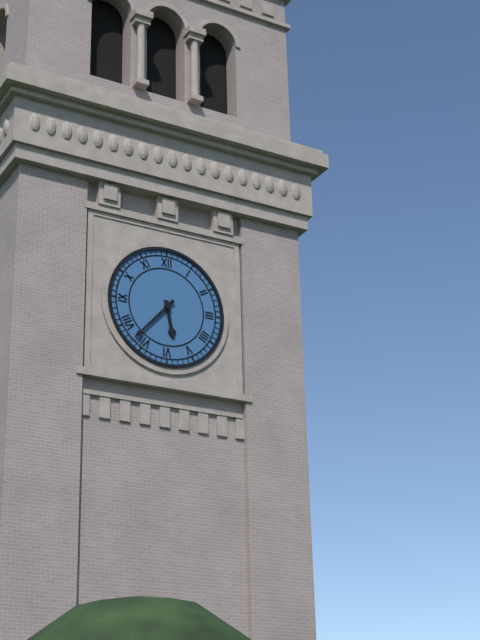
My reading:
**5:37**
